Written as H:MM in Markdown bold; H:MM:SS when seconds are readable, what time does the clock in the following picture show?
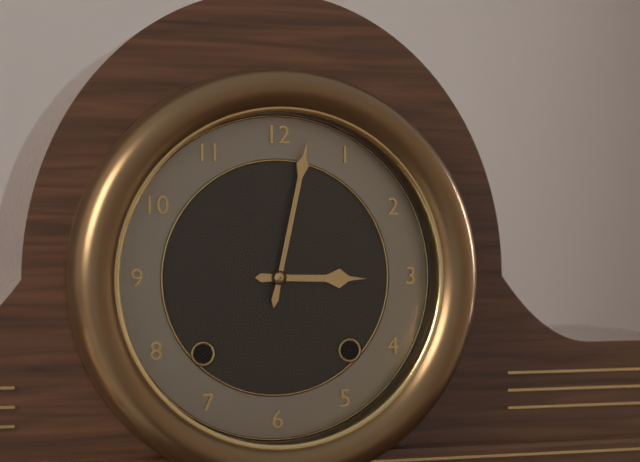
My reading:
**3:02**
